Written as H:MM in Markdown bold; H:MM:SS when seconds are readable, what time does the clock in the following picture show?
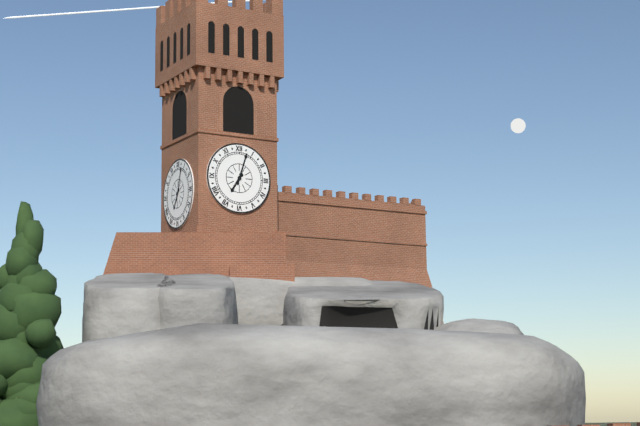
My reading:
**7:03**
